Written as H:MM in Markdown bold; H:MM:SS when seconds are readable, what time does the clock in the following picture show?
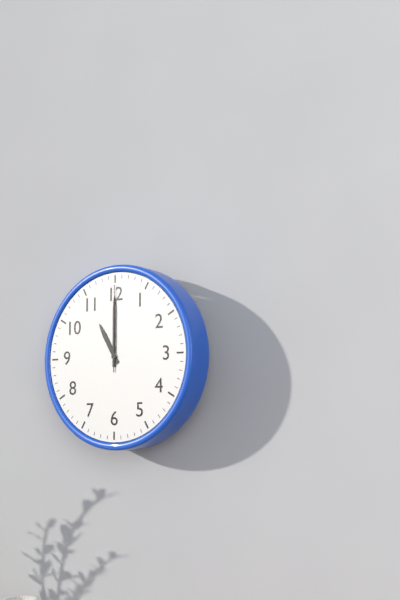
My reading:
**11:00:00**
